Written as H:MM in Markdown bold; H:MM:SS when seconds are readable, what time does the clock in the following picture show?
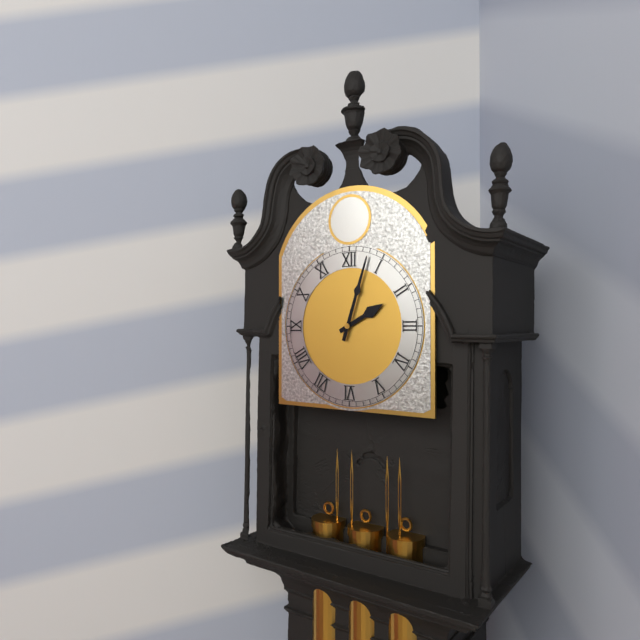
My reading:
**2:03**
